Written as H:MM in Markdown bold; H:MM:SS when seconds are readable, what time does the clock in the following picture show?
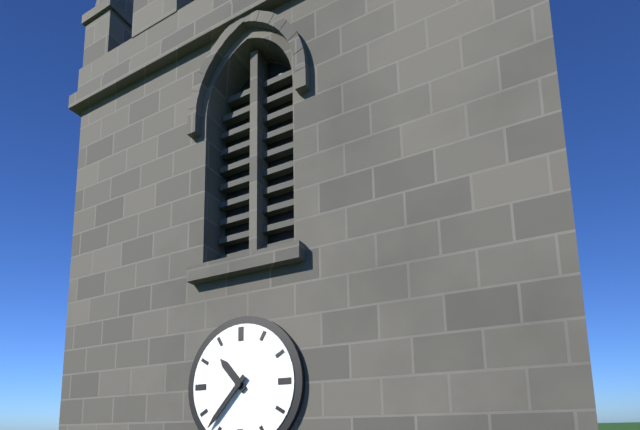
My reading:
**10:37**
